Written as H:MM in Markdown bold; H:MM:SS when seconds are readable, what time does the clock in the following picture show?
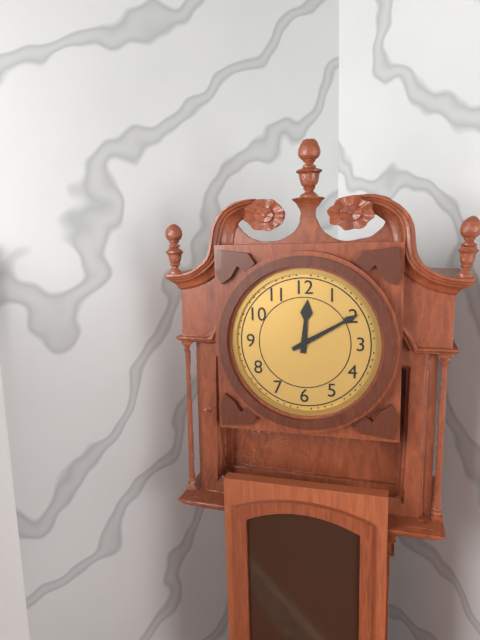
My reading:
**12:10**
